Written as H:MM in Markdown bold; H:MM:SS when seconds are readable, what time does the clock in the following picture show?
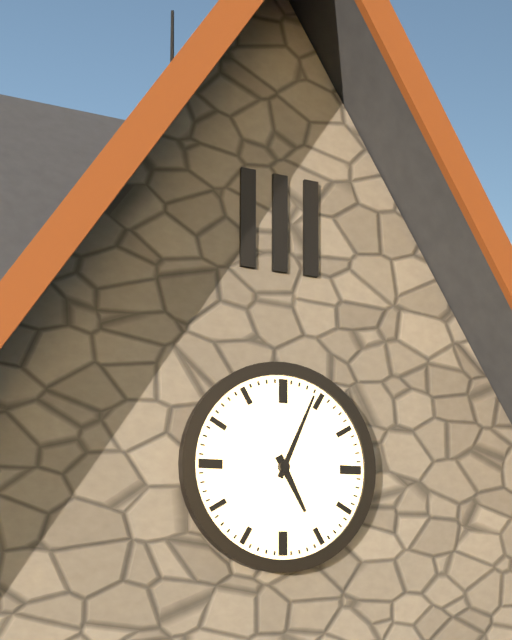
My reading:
**5:04**
